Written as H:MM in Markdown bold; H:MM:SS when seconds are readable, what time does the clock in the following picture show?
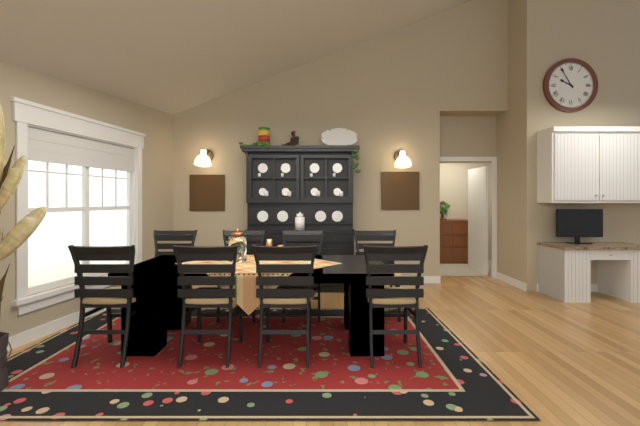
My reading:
**9:55**
